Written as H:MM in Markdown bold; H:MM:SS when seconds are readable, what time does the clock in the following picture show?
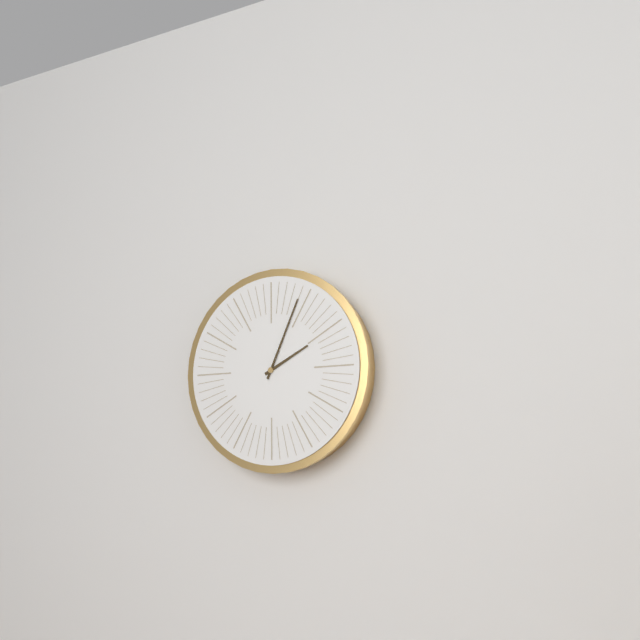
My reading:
**2:04**
